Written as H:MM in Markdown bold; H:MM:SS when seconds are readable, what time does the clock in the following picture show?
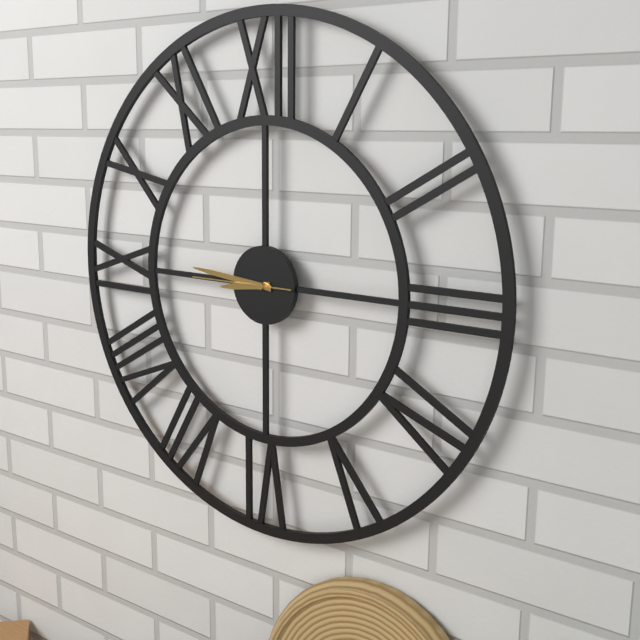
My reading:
**8:46:45**
